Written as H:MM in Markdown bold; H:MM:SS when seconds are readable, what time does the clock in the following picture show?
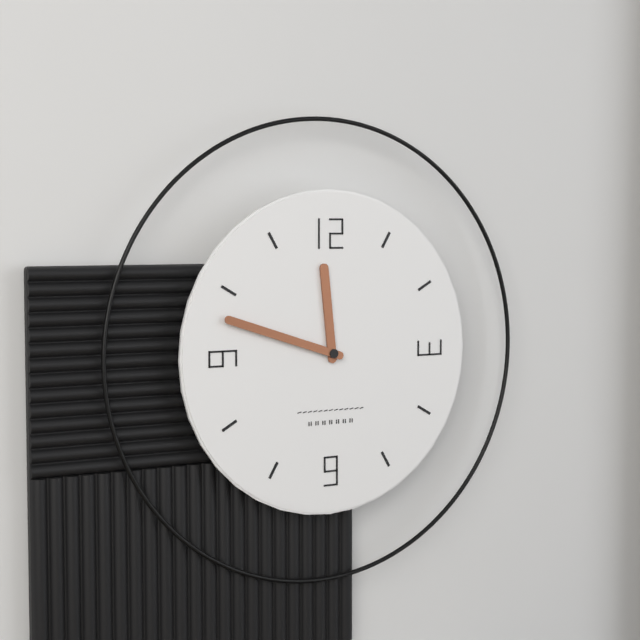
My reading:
**11:48**
